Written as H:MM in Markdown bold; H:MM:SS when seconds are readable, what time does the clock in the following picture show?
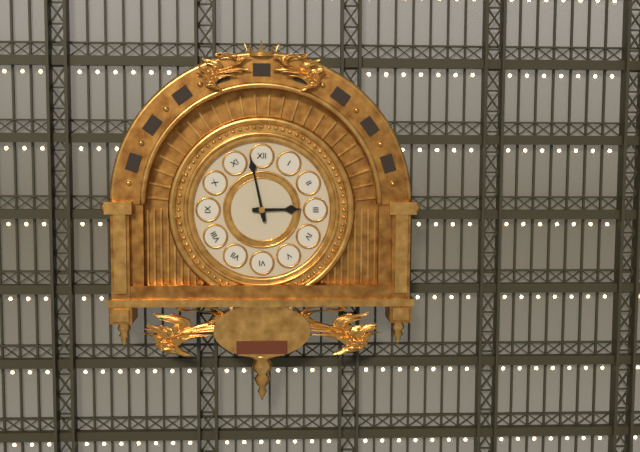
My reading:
**2:58**
